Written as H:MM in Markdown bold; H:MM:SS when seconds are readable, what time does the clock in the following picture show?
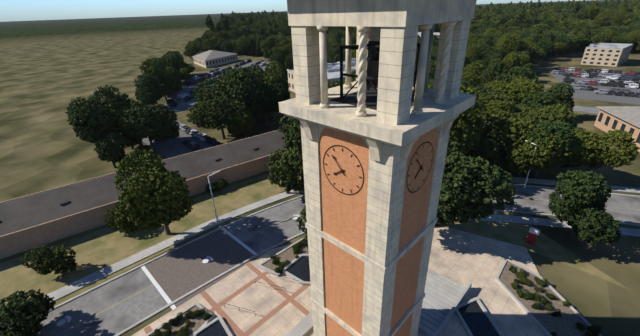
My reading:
**7:53**
